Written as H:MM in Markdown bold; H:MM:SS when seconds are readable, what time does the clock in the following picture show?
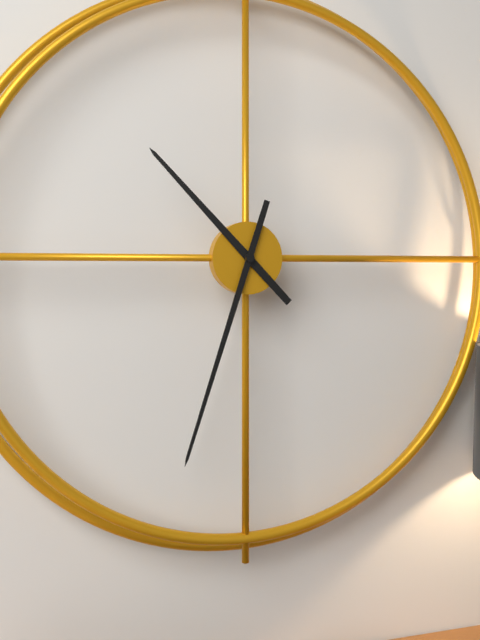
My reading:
**10:33**
